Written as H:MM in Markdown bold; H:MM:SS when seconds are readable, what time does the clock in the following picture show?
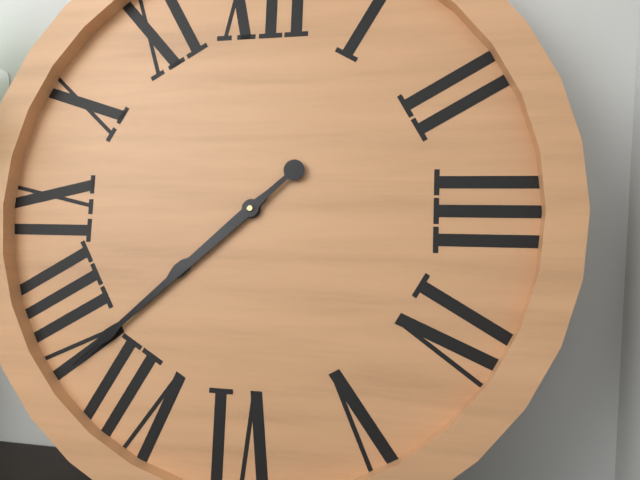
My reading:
**7:38**
